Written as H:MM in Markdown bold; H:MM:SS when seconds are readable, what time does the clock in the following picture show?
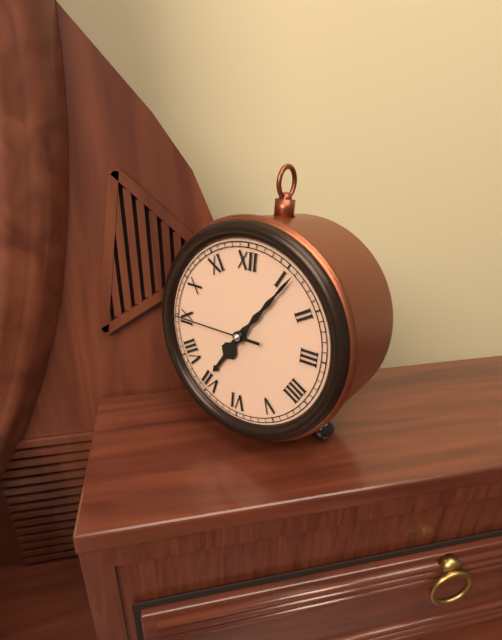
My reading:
**7:06:45**
